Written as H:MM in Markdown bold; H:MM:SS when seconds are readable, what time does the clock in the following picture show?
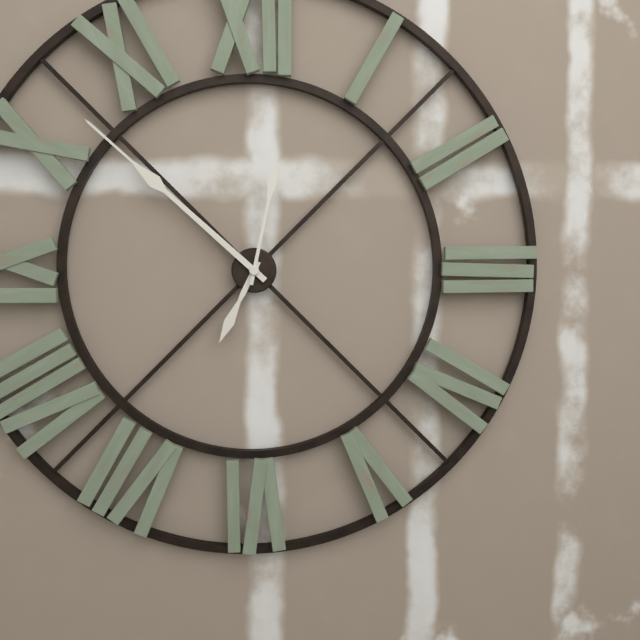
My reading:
**6:52:02**
